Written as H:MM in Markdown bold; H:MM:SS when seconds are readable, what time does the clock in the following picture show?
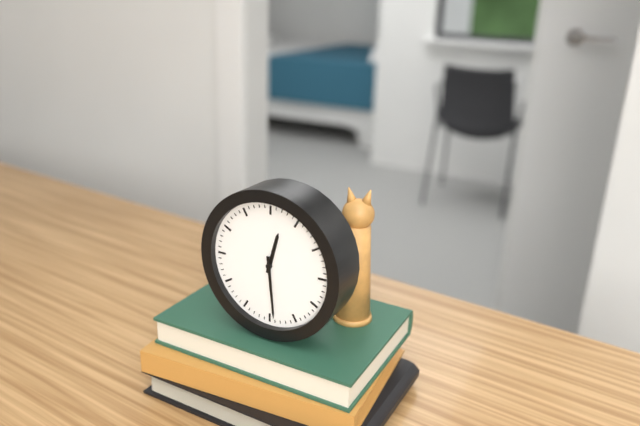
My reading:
**12:29**
